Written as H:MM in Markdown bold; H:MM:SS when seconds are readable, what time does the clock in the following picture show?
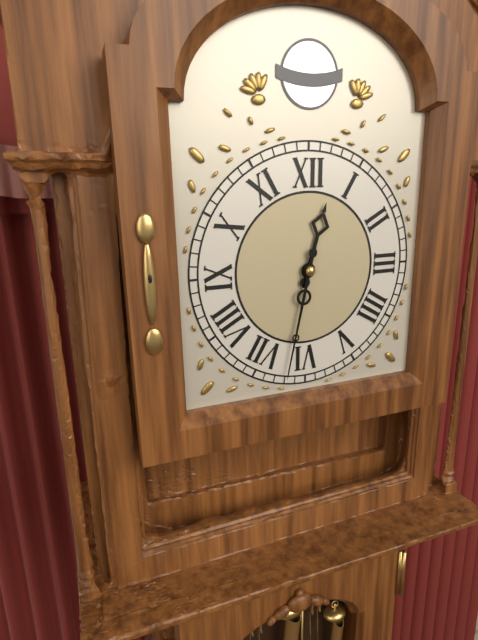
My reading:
**12:32**
